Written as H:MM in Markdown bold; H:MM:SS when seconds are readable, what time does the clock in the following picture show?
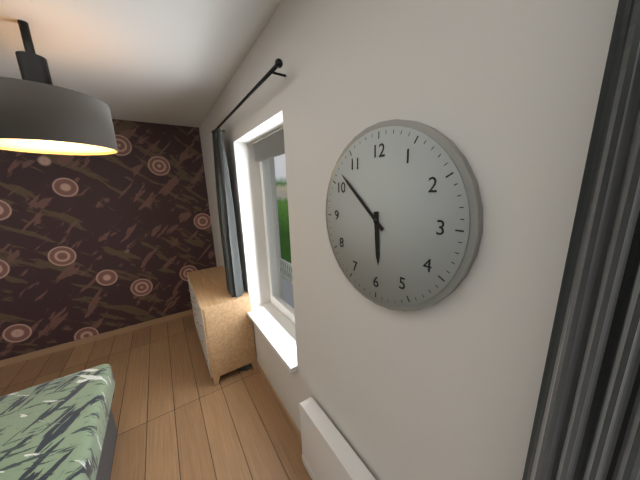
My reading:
**5:52**
